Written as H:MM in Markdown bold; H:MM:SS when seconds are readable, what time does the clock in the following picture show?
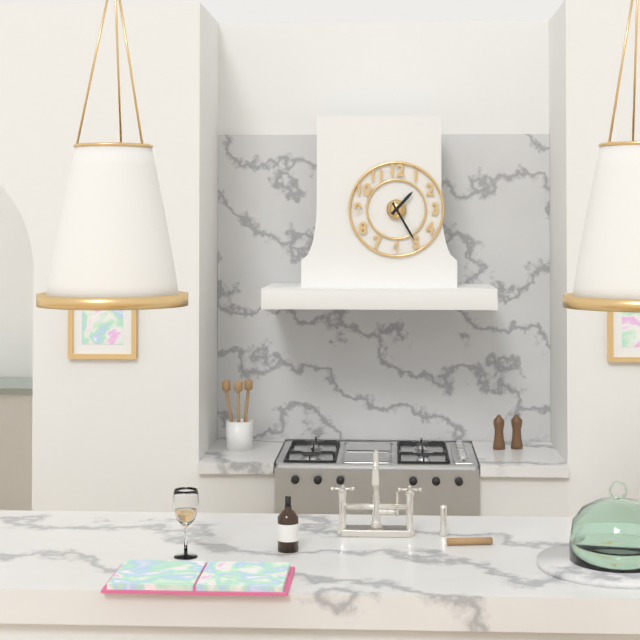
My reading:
**1:25**
